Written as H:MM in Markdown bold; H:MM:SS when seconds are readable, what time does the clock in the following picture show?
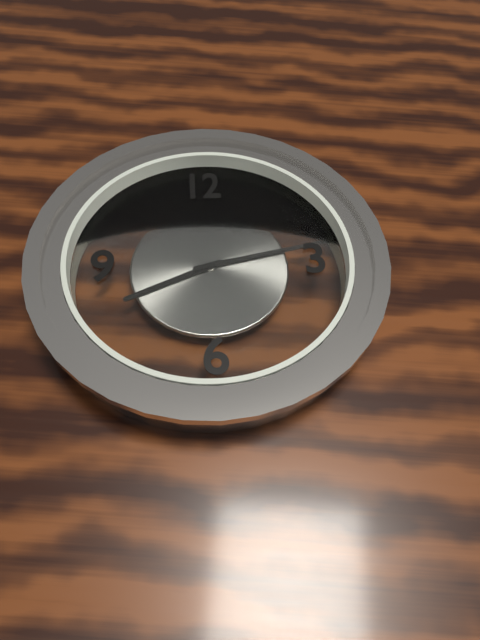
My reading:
**8:13**
